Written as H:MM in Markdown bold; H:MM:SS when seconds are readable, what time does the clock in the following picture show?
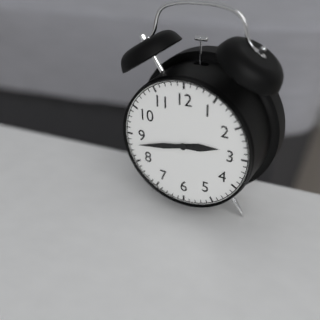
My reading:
**2:43**
